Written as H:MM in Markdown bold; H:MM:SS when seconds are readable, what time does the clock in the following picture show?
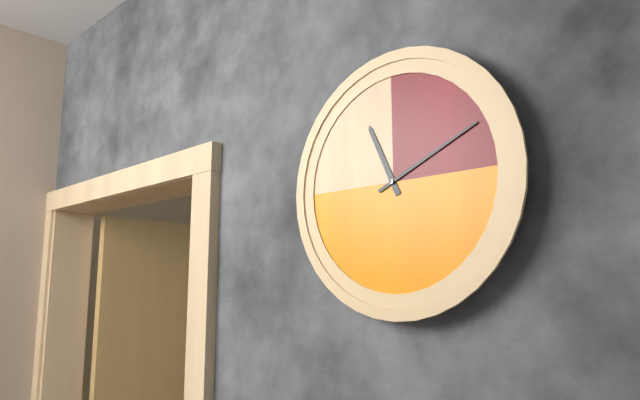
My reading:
**11:11**
